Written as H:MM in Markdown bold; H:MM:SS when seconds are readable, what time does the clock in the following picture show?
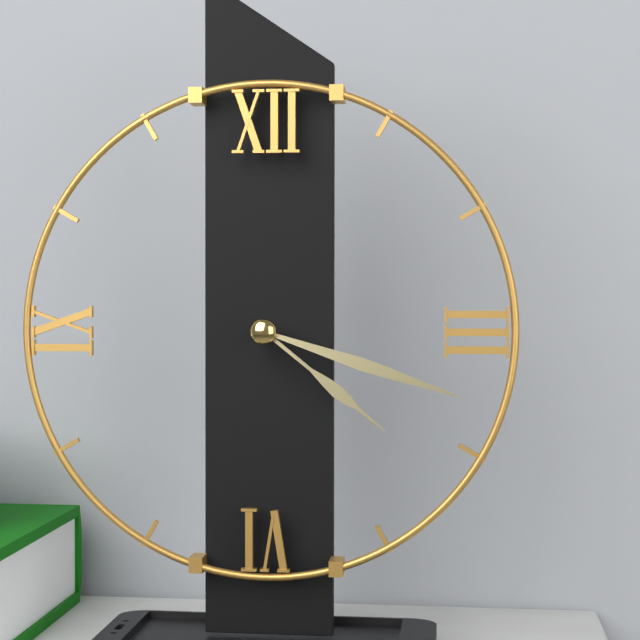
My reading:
**4:18**
